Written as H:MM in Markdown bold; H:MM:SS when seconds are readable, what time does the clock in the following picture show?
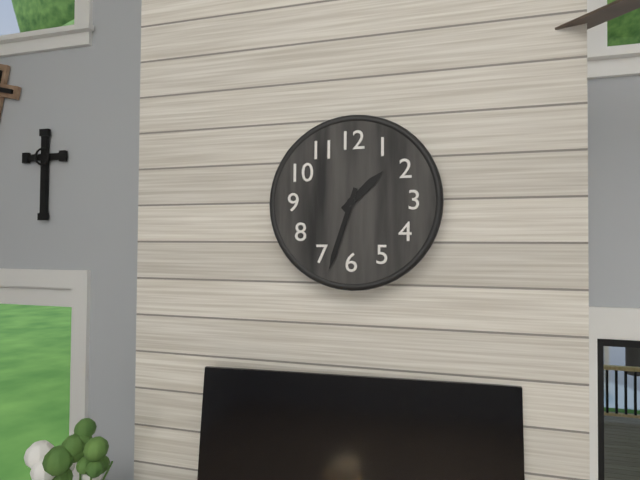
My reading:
**1:33**
